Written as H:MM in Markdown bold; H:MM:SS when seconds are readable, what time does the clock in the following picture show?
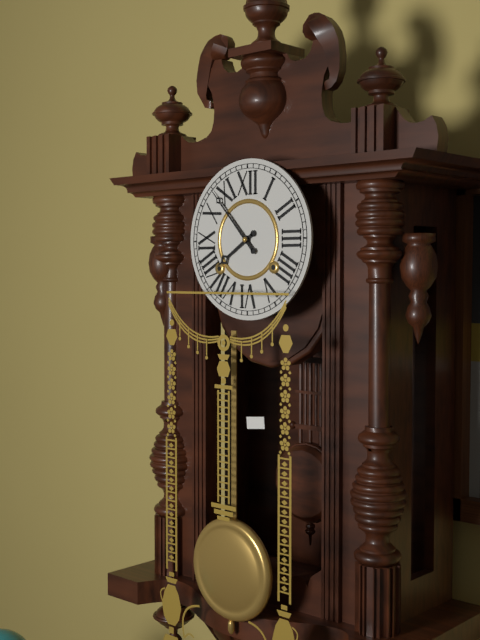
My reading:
**7:53**
